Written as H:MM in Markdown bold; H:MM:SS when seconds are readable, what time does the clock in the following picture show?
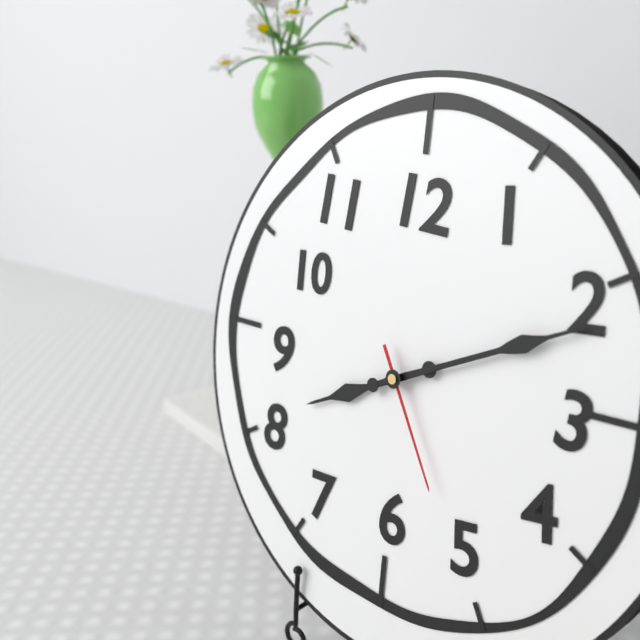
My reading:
**8:11:25**
